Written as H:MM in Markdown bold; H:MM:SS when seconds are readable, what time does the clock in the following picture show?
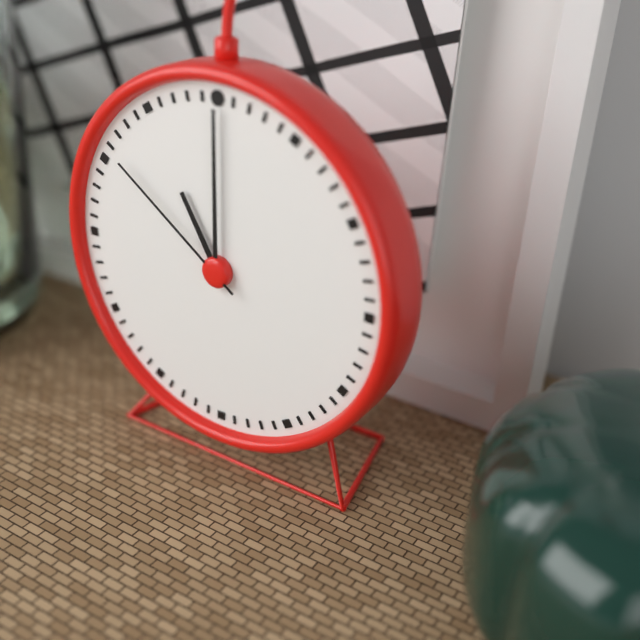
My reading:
**11:00:51**
